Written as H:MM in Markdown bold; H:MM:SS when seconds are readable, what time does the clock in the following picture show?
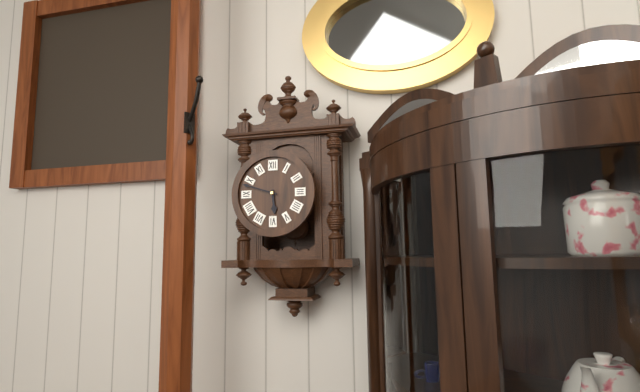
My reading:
**5:48**
